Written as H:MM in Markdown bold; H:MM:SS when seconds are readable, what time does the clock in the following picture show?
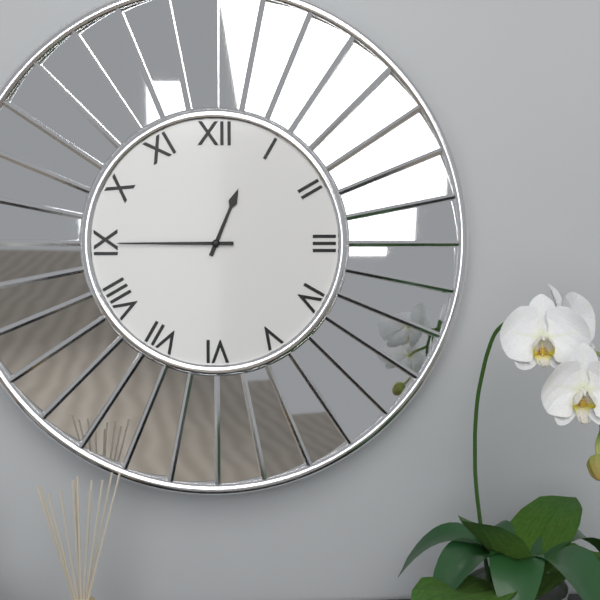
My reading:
**12:45**
